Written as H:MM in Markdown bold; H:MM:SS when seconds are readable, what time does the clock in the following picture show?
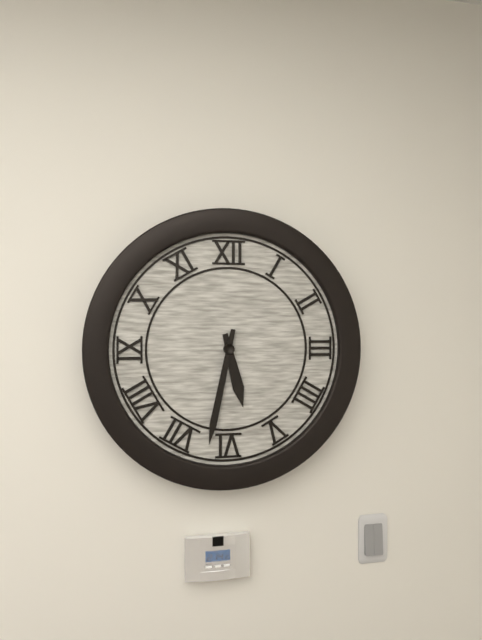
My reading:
**5:32**
